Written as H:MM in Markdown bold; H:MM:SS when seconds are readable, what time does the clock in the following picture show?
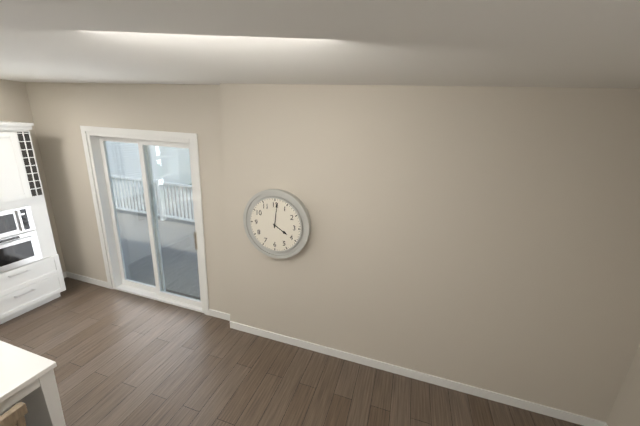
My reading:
**4:01**
